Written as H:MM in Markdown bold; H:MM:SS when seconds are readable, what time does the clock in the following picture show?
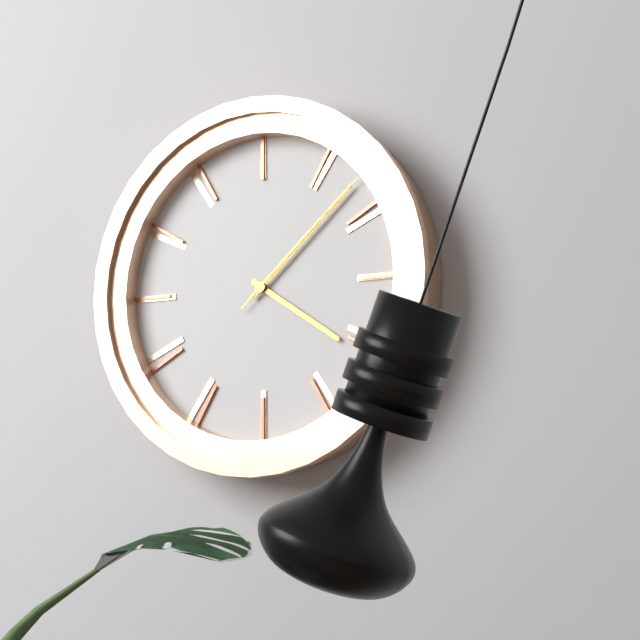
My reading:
**4:08:08**
